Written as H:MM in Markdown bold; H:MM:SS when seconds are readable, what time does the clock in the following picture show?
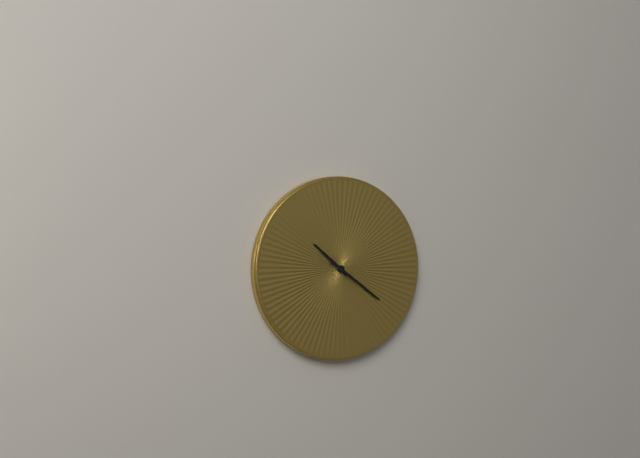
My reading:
**10:21**
